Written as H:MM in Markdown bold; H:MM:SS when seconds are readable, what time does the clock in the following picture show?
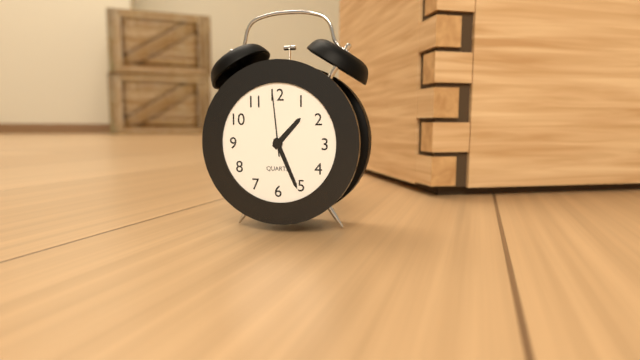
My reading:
**1:26:59**
